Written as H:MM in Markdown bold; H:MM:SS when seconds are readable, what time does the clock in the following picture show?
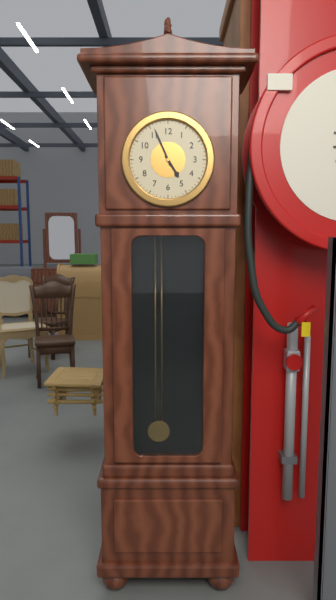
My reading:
**4:56**
